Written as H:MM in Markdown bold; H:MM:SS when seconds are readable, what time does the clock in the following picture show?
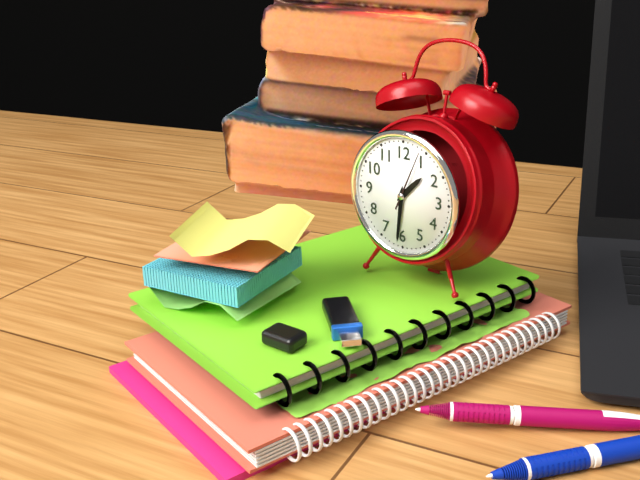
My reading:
**1:31:04**
